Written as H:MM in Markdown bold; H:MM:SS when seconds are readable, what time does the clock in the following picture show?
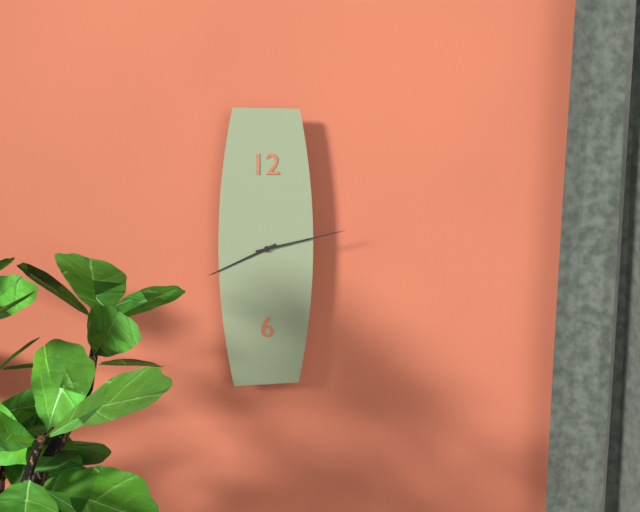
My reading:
**8:13**
